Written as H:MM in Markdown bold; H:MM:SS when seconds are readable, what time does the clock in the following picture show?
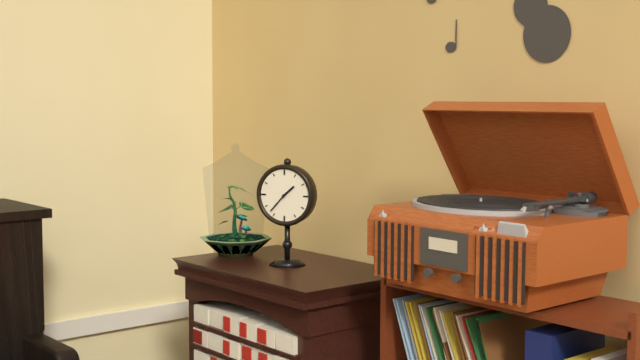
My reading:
**1:37**
